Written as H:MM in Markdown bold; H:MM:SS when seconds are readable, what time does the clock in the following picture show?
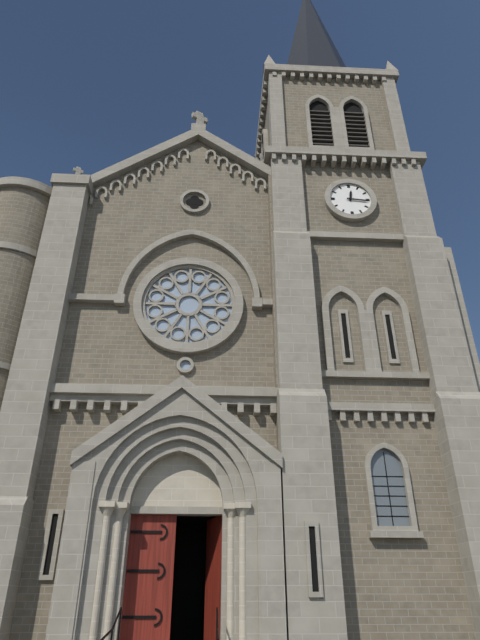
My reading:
**12:16**
